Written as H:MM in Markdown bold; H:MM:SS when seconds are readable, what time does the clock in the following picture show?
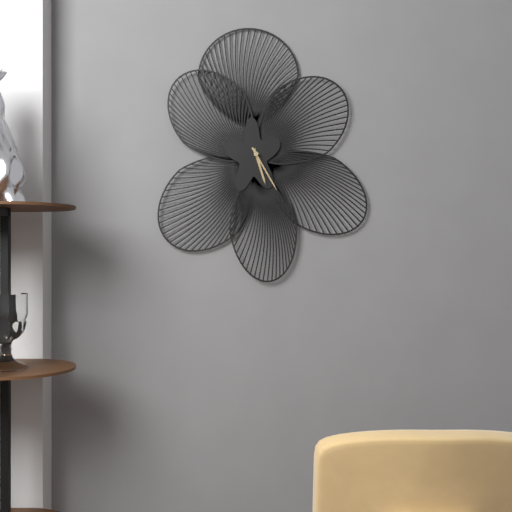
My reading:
**5:25**
